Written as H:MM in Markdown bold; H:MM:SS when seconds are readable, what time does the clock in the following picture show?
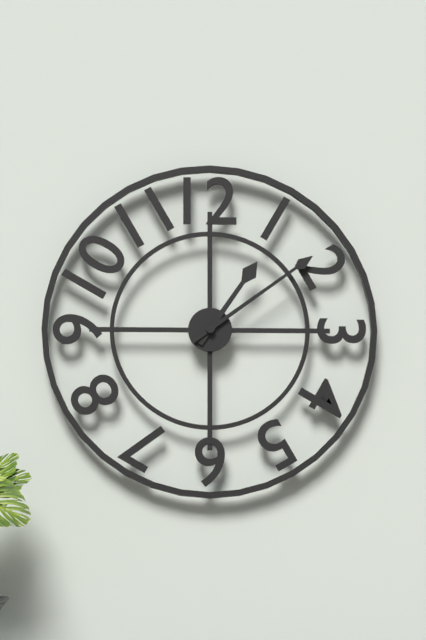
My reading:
**1:09**
